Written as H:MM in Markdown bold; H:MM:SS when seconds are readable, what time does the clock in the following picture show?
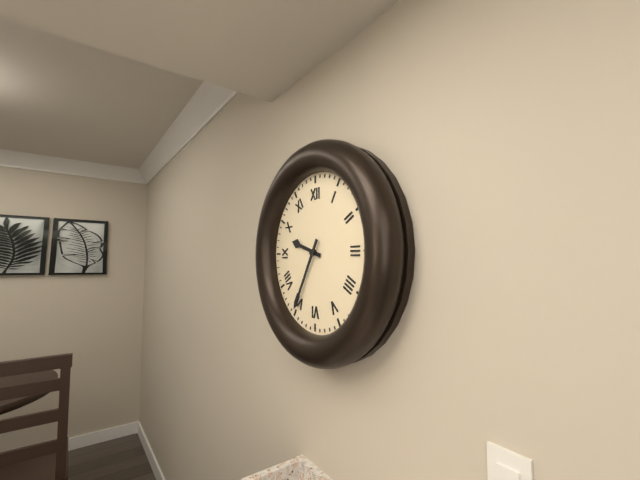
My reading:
**9:35**
